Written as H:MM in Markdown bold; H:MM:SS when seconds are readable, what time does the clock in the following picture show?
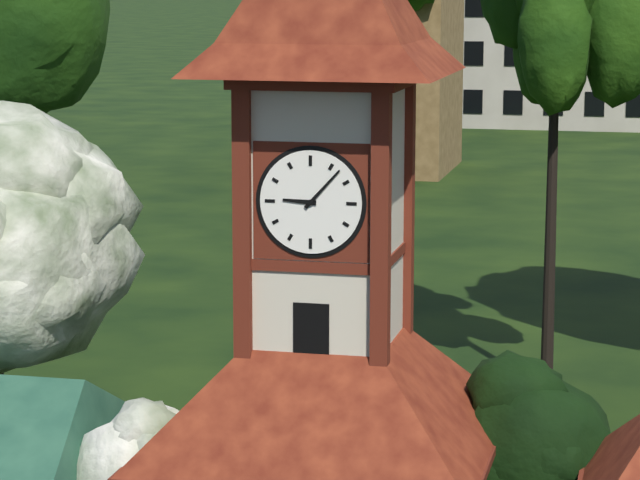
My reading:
**9:07**
